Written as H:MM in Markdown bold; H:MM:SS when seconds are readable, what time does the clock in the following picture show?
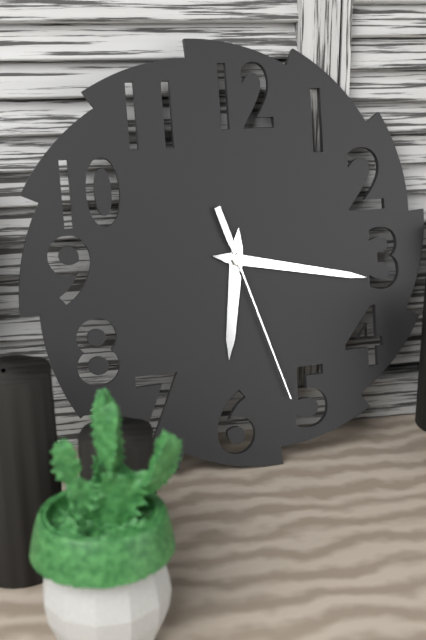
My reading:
**6:17:27**
